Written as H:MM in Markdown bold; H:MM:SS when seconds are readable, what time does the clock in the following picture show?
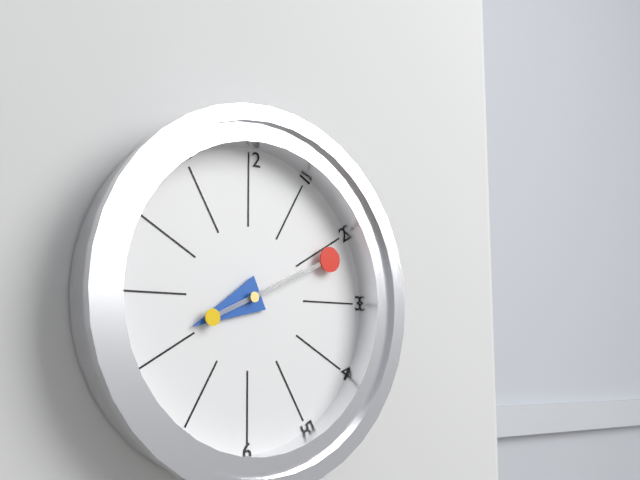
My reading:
**8:11**
